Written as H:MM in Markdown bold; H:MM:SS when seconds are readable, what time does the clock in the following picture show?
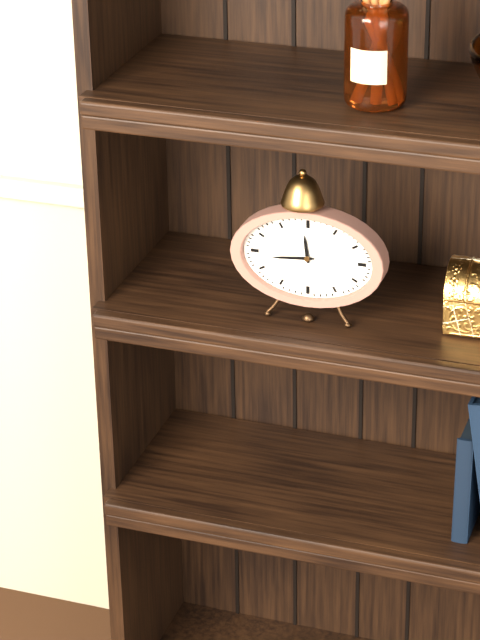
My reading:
**11:44**
